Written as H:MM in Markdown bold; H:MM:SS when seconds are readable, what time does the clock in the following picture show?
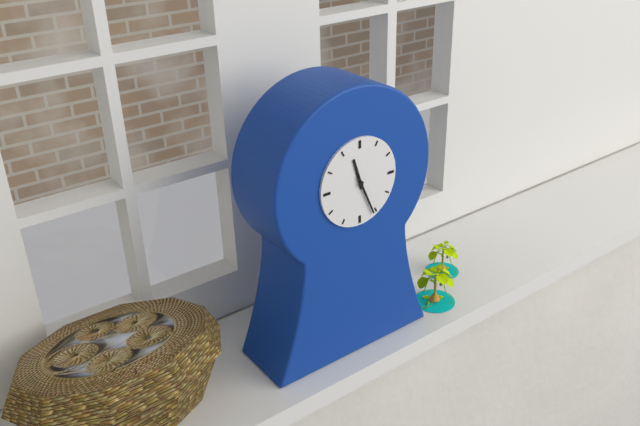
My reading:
**11:26**
